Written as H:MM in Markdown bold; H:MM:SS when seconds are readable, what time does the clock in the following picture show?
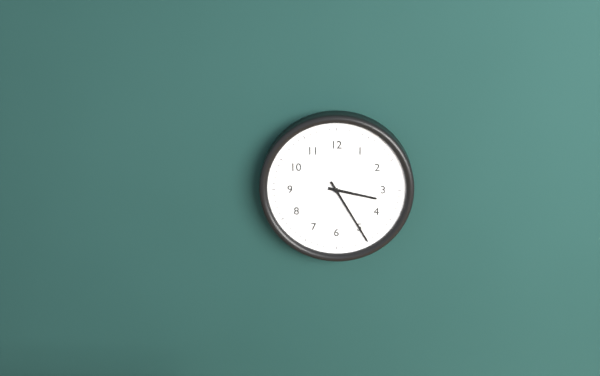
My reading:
**3:25**
